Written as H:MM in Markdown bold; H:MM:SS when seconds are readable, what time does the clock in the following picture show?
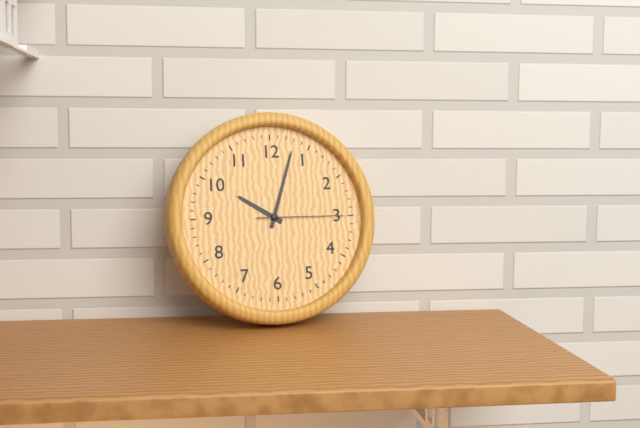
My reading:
**10:03:15**
